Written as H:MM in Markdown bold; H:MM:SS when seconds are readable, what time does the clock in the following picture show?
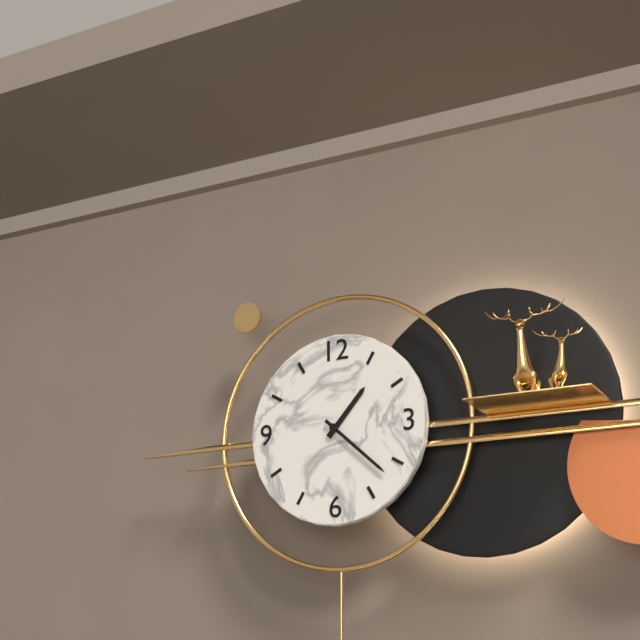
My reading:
**1:22**
